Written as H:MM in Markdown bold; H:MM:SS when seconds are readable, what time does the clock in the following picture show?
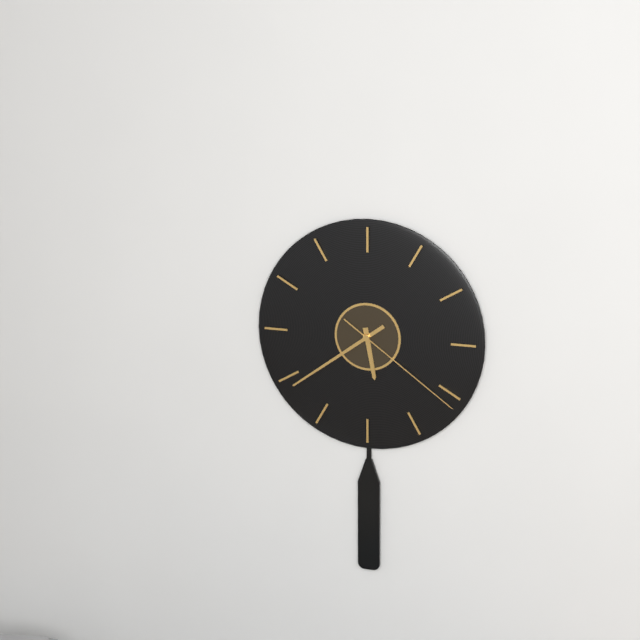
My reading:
**5:39:21**
